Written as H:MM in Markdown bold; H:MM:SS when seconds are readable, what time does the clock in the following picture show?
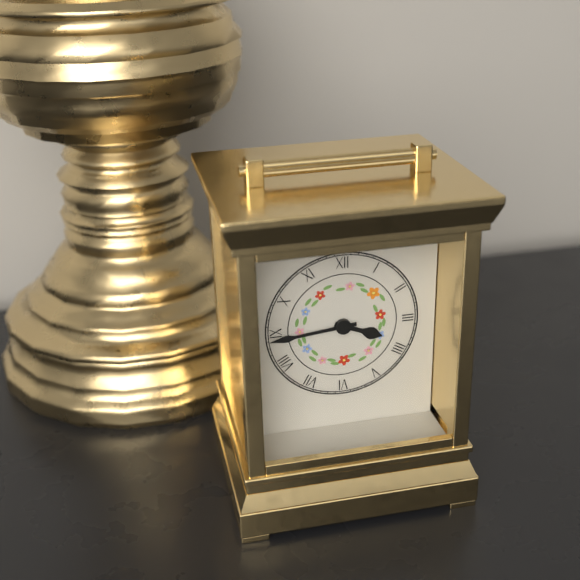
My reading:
**3:44**
